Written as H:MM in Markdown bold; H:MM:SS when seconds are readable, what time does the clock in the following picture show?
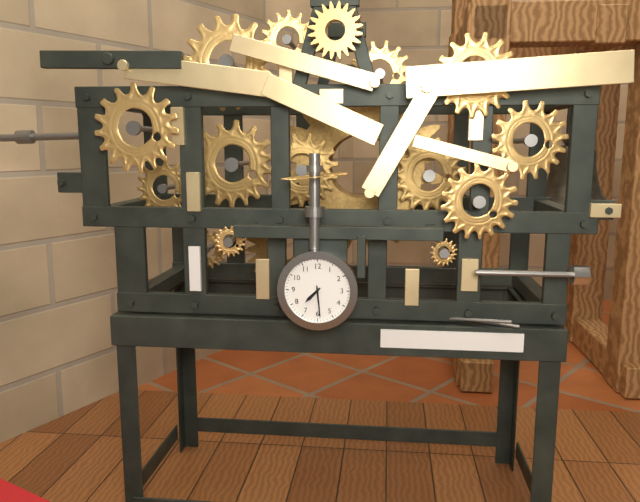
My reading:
**7:29**
